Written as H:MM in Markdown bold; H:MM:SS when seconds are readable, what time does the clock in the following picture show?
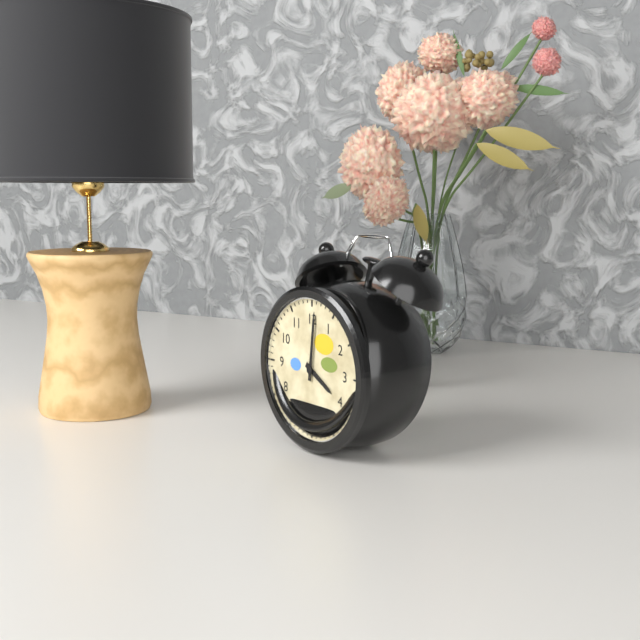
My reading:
**4:01**
